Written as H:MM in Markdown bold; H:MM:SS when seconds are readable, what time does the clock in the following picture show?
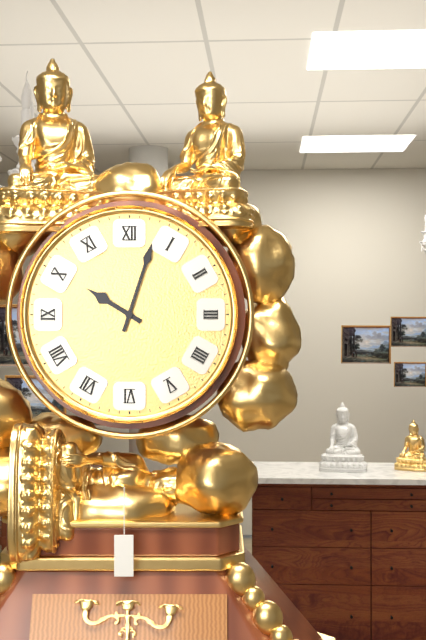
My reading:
**10:03**
